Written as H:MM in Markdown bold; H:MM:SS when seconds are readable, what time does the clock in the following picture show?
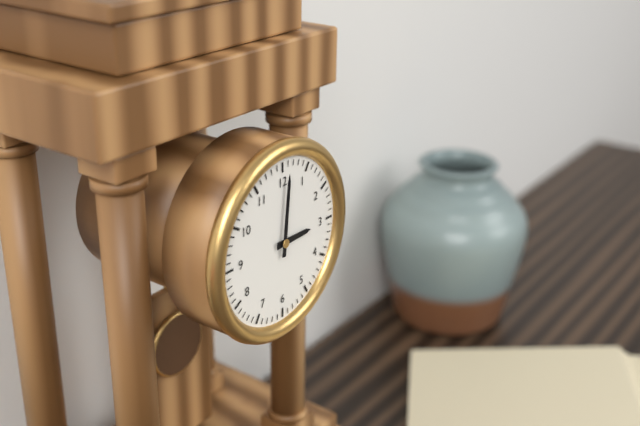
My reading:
**3:01**
